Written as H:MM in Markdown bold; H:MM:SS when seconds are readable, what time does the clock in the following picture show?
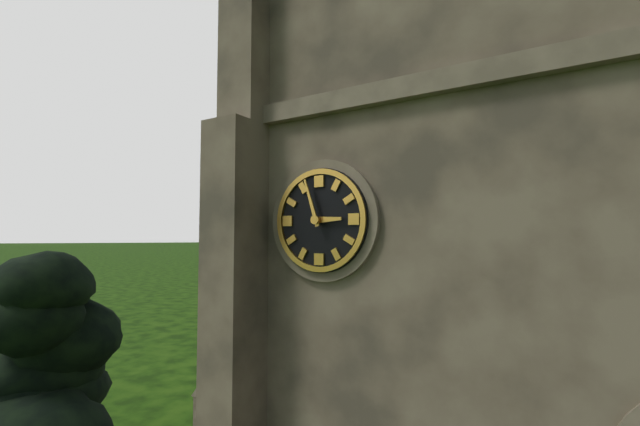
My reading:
**2:57**
